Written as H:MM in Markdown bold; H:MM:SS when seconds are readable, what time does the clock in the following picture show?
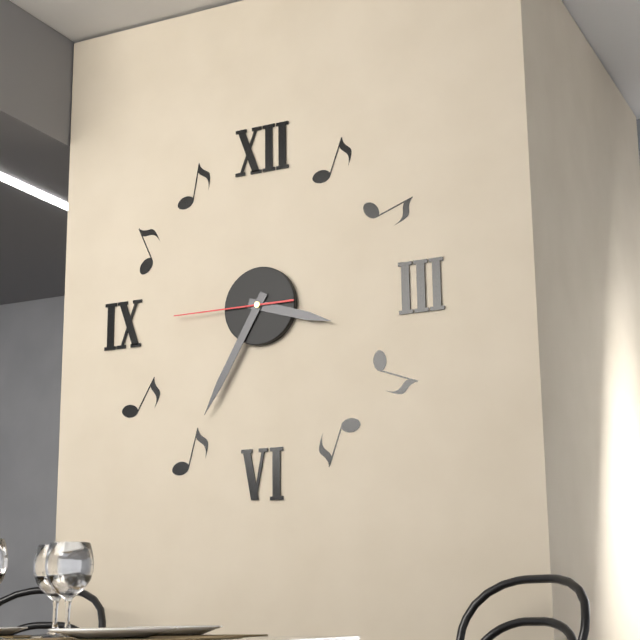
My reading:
**3:35:45**
